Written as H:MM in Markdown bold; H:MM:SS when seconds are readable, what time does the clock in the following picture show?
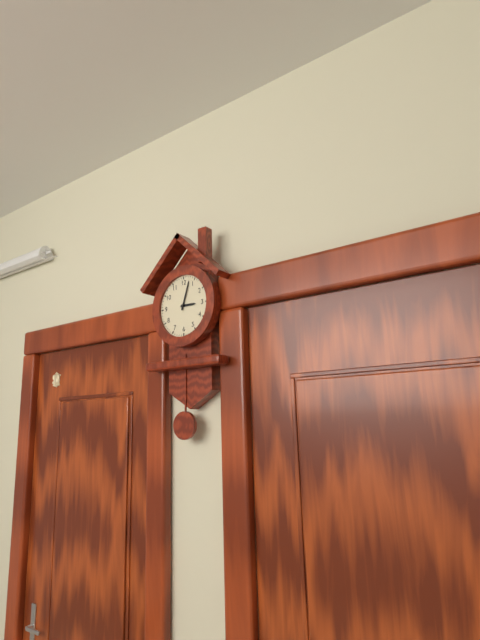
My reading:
**3:03**
